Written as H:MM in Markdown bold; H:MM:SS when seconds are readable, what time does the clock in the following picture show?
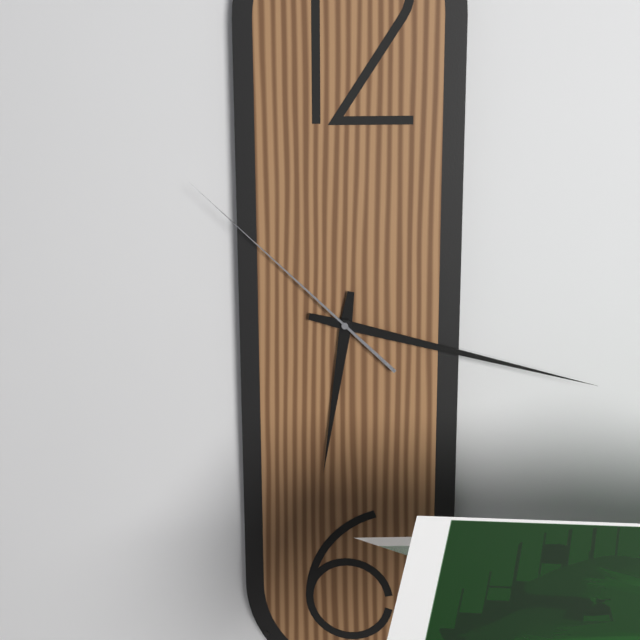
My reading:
**6:17:52**
